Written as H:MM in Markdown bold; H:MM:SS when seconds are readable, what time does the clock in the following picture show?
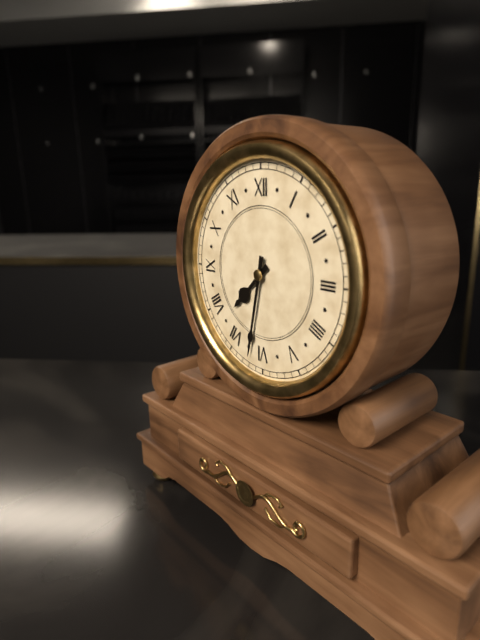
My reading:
**7:32**
